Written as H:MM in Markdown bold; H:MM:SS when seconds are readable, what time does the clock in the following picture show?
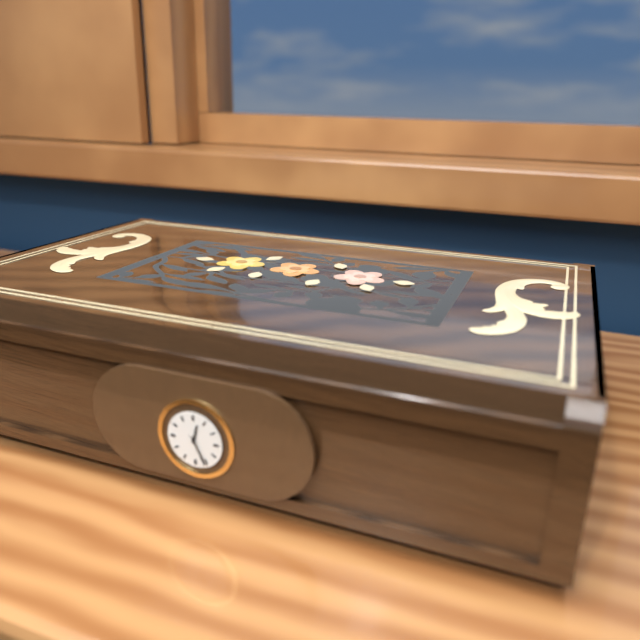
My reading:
**12:26:25**
